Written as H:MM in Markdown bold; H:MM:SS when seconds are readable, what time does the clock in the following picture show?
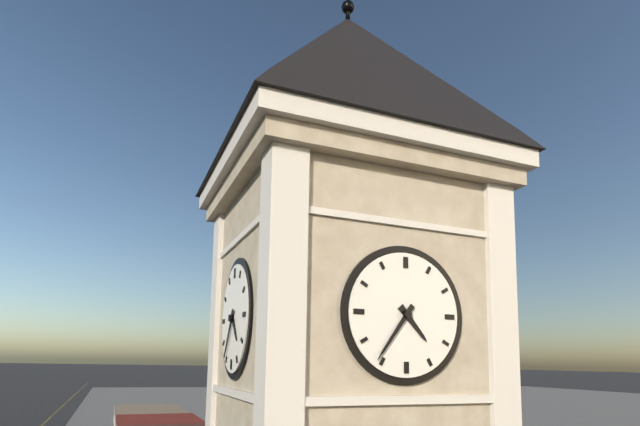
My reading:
**4:36**
